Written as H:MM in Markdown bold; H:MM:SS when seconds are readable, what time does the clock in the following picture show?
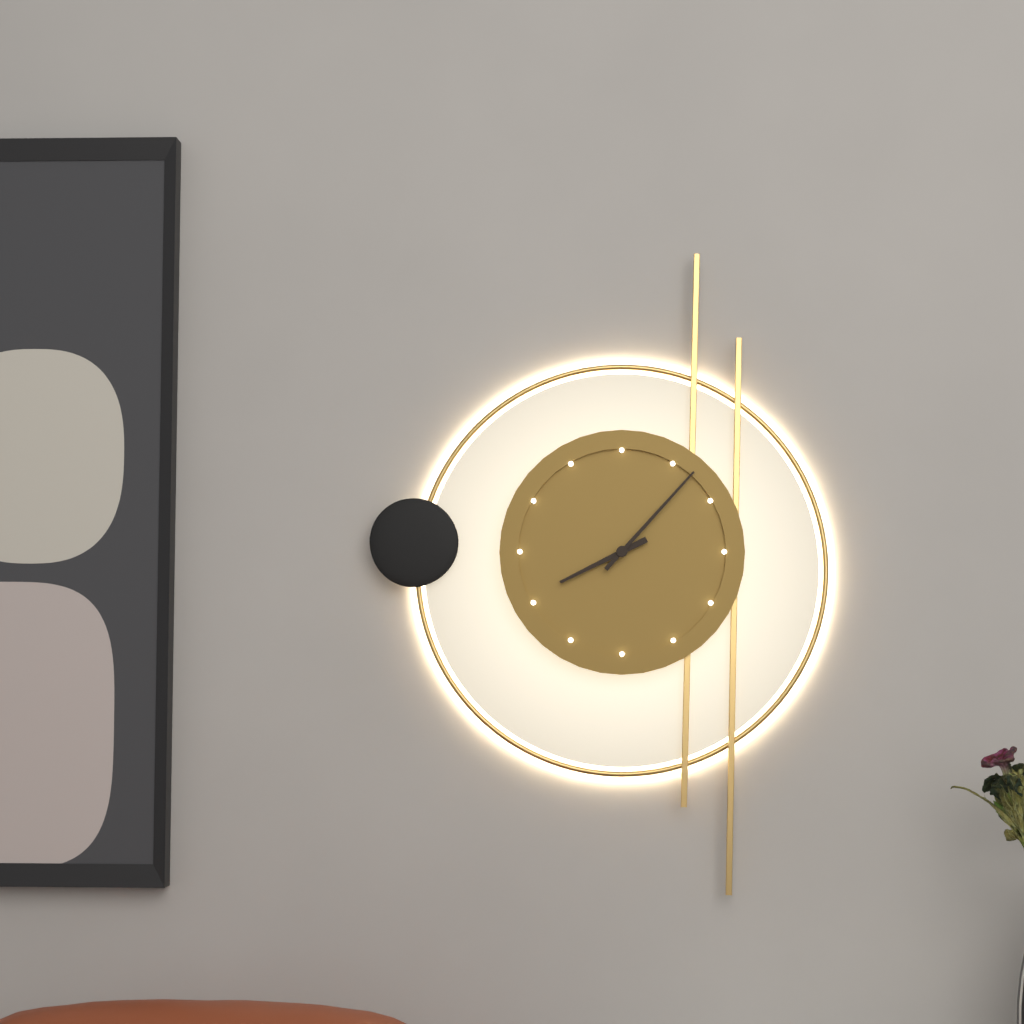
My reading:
**8:07**
